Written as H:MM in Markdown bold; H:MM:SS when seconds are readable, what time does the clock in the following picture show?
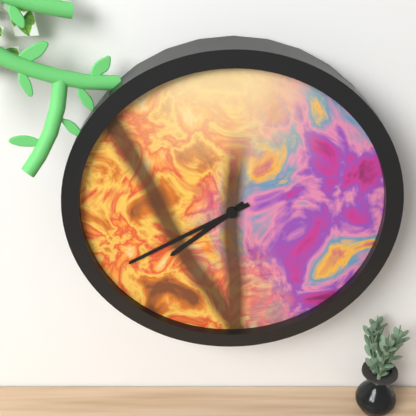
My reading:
**7:40**
